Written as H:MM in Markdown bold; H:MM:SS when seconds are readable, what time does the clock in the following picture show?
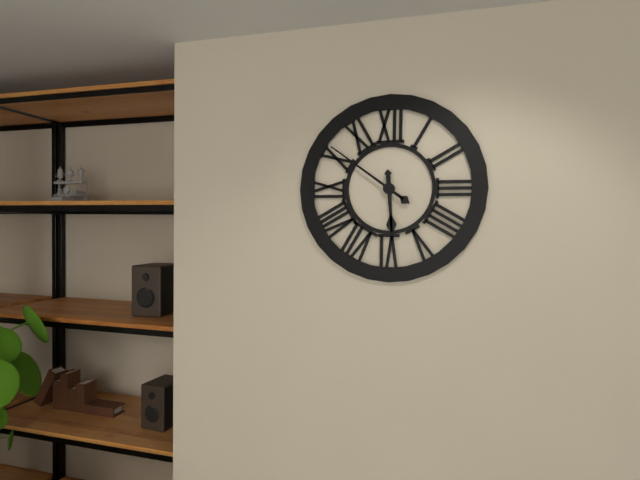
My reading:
**5:51**
